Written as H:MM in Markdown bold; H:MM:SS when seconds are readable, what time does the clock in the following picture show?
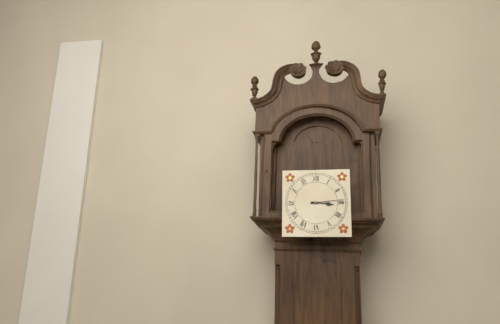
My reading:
**3:14**
